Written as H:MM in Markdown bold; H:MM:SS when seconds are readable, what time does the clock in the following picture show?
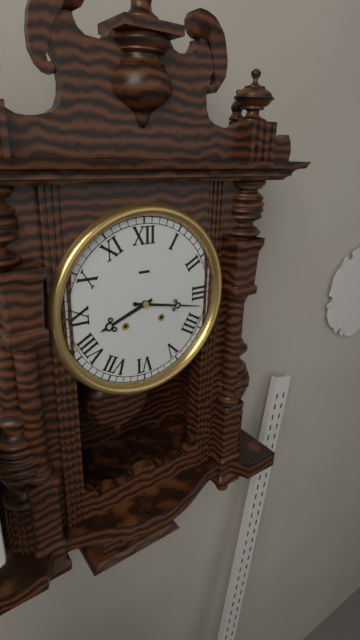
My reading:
**8:17**
